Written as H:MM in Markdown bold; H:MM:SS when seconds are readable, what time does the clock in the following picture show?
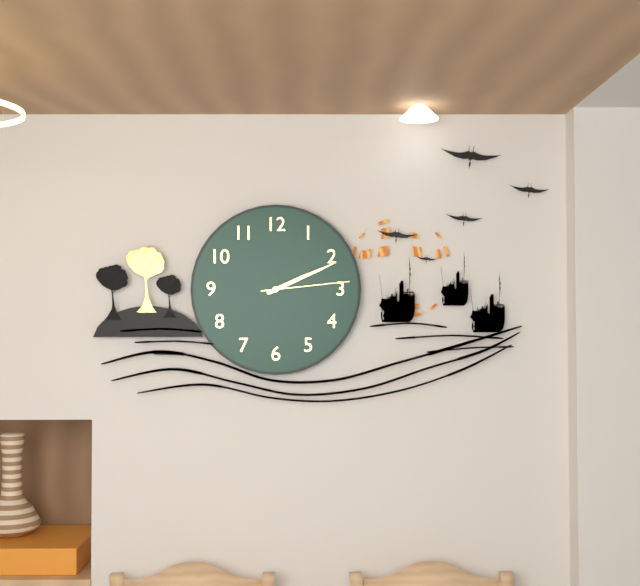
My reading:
**2:11:14**
